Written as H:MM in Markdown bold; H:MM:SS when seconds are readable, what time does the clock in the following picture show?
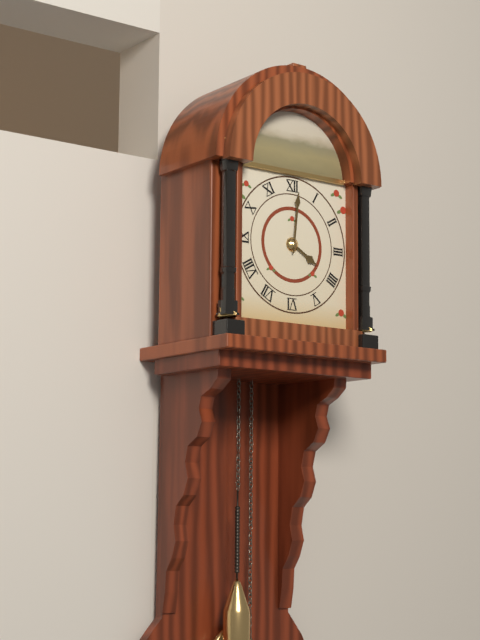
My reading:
**4:01**
